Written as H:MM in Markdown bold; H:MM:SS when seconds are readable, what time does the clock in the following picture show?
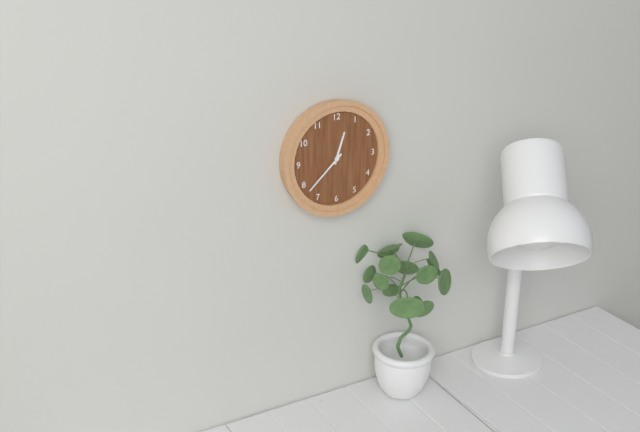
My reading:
**12:38**
